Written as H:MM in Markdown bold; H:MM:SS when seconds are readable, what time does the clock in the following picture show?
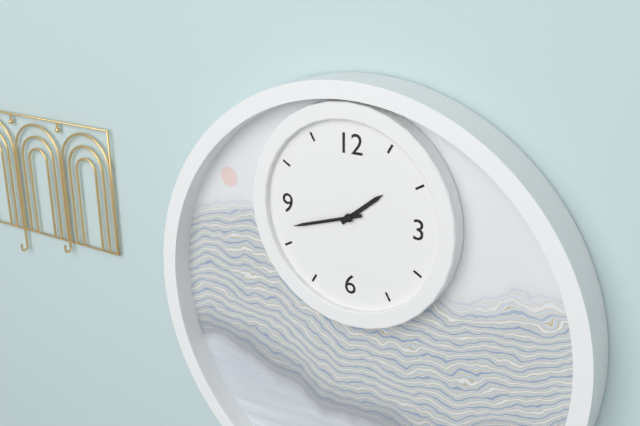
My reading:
**1:42**
